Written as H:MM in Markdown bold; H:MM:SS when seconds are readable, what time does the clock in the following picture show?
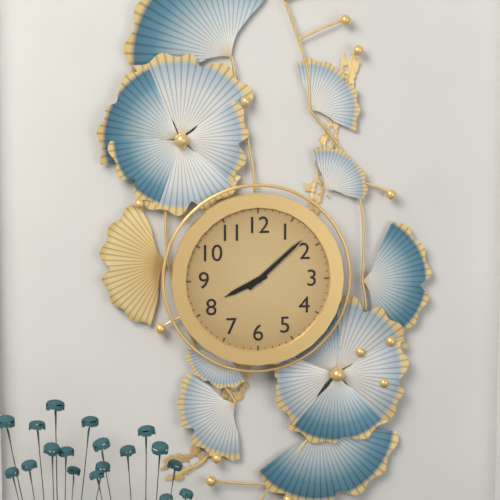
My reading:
**8:08**
